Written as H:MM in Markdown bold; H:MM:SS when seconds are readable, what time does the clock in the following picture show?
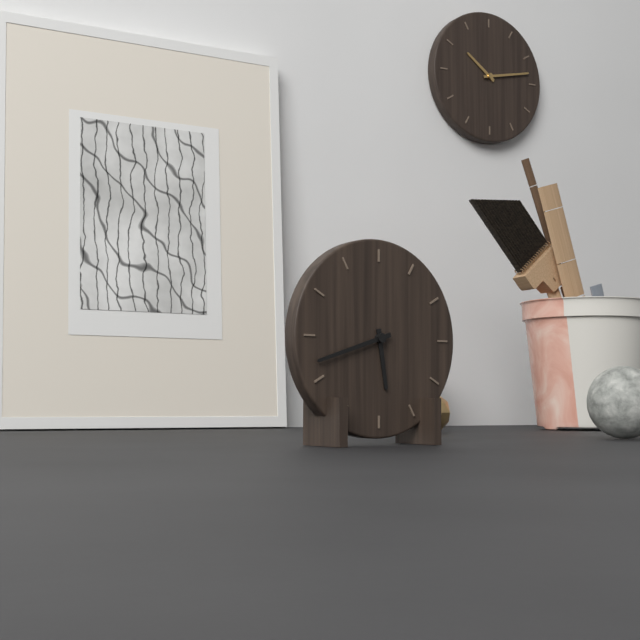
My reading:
**5:42**
